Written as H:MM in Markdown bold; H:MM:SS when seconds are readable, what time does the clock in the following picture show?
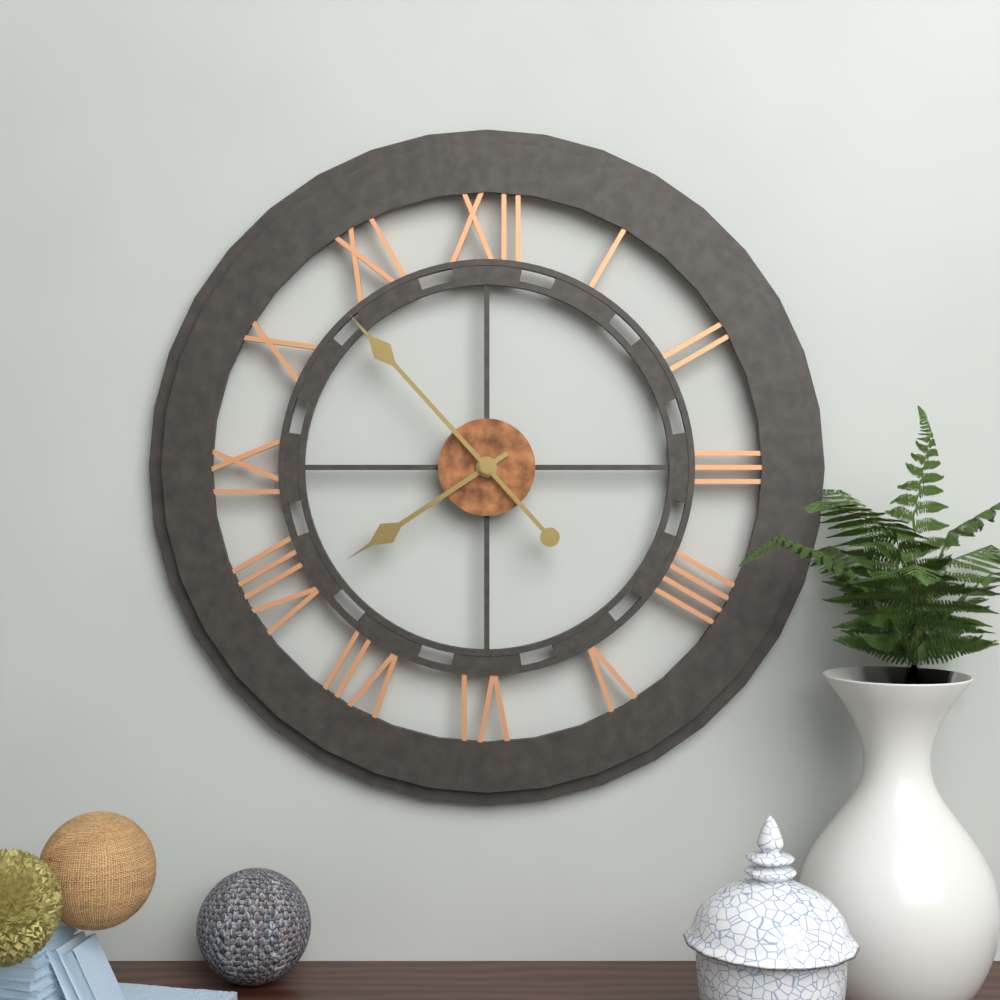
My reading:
**7:53**
